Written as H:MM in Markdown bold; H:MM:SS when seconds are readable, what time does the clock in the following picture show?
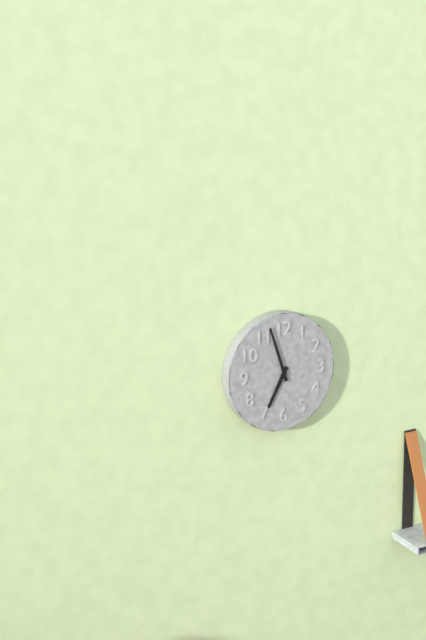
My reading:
**6:57**
